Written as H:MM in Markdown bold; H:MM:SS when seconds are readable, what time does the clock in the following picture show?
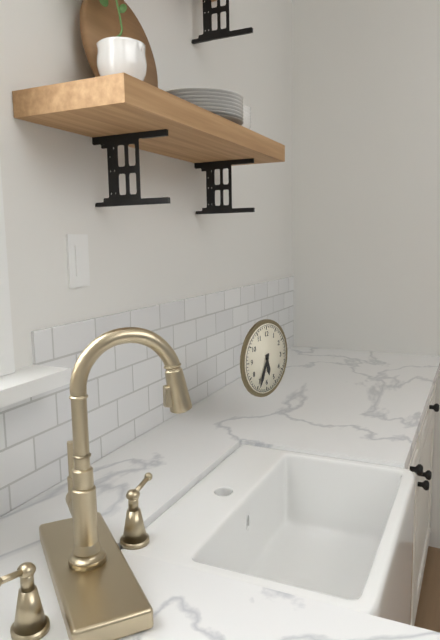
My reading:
**5:34**
